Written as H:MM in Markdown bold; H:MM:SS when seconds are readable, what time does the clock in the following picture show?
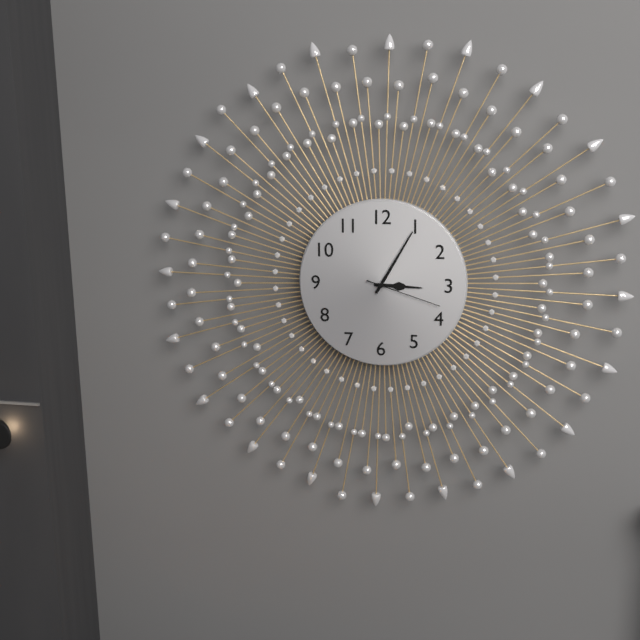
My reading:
**3:05:18**
